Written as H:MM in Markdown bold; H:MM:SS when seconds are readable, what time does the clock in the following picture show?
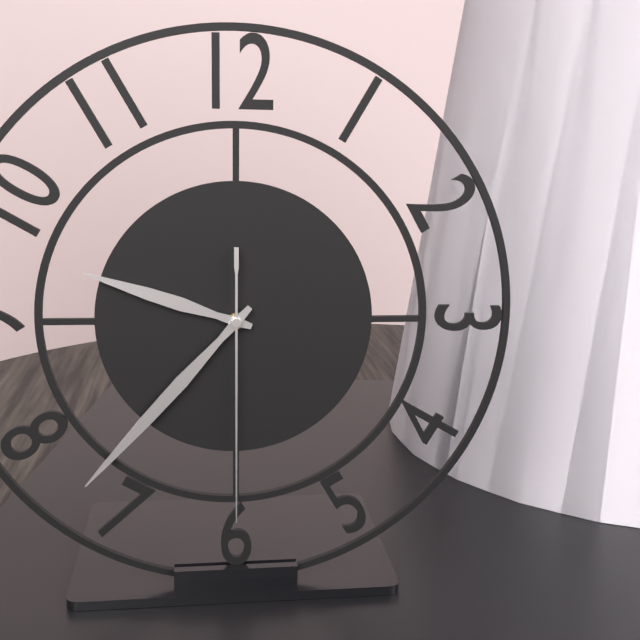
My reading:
**9:37:30**
